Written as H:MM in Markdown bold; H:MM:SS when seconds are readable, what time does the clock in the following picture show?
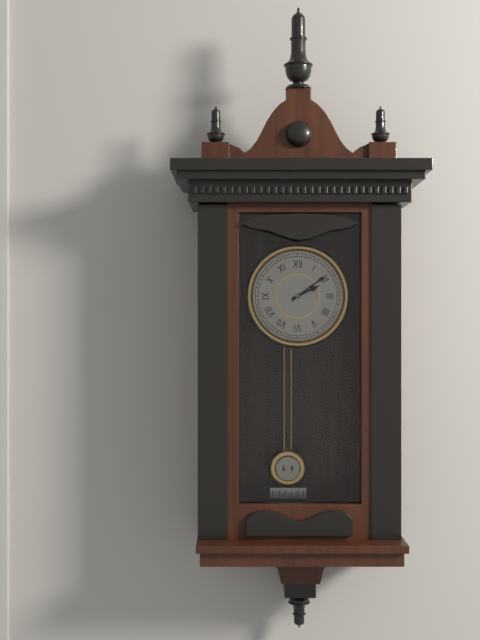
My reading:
**2:09**
